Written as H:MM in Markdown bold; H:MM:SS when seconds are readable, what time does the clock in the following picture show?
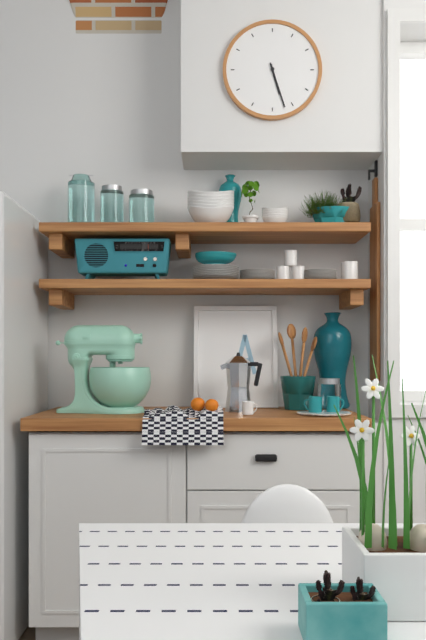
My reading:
**5:27**
